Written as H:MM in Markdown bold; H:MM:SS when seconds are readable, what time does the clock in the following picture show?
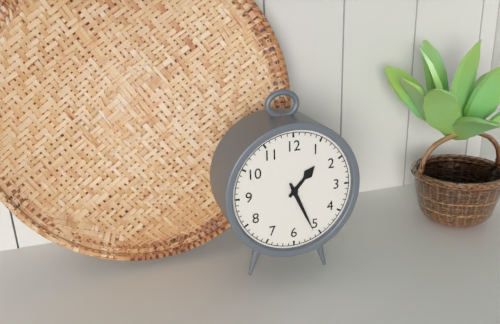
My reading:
**1:26**
